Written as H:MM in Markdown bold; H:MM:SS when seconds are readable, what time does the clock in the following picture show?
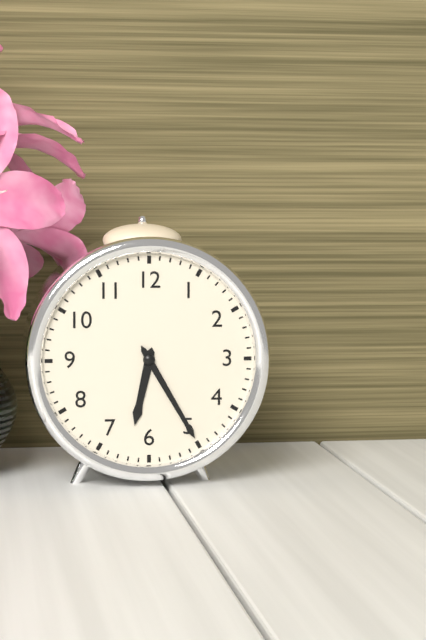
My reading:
**6:25**
